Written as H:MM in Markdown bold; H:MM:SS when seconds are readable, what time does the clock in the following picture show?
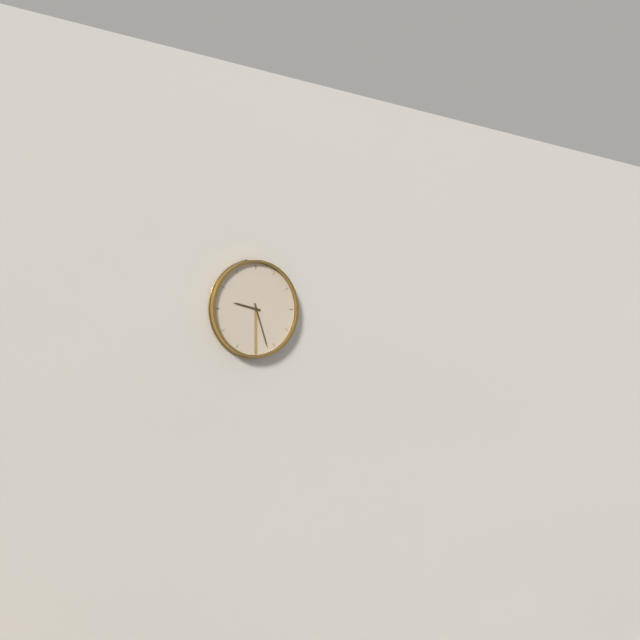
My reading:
**9:27**
